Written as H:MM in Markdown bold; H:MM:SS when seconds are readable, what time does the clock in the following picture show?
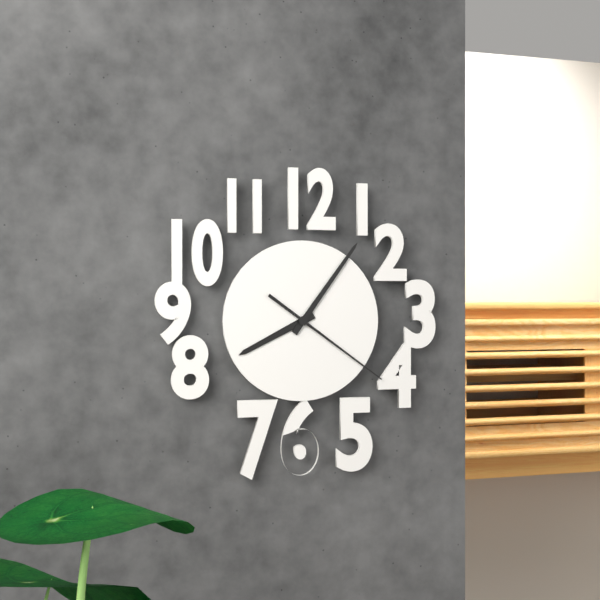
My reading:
**8:06:21**
